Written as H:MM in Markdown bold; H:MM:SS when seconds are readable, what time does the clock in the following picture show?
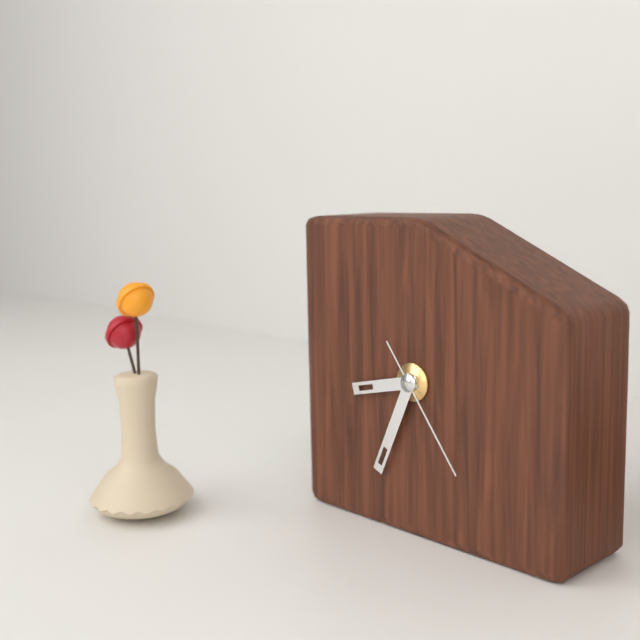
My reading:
**8:34:24**
